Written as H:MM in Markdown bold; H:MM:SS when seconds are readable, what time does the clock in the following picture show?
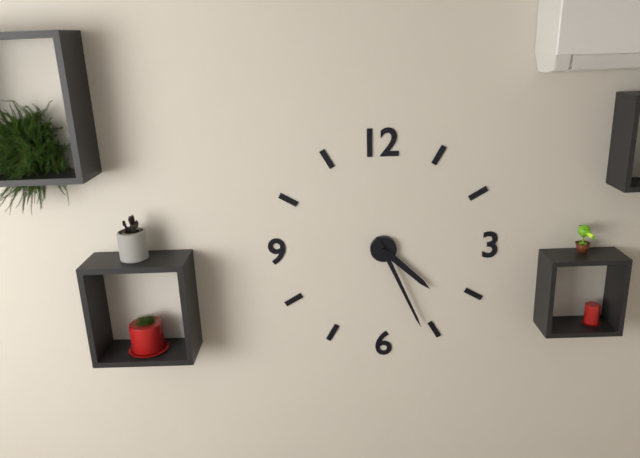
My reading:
**4:26**
